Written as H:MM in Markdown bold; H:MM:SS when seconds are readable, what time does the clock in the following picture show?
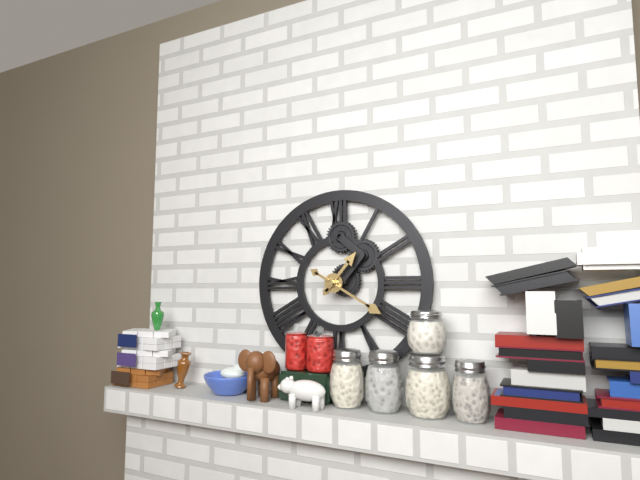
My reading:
**1:20**
